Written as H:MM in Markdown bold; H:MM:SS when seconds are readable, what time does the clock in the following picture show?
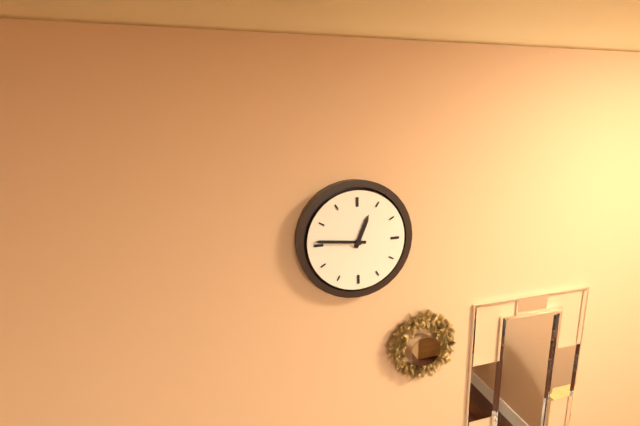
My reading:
**12:46**
